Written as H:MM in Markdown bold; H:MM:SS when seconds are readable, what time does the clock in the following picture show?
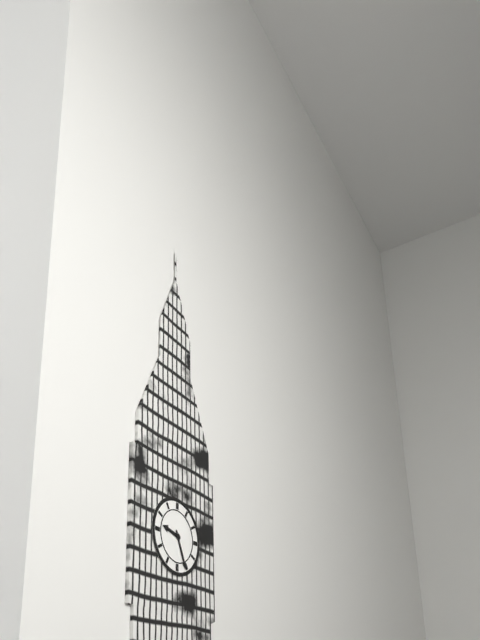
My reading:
**9:26**
